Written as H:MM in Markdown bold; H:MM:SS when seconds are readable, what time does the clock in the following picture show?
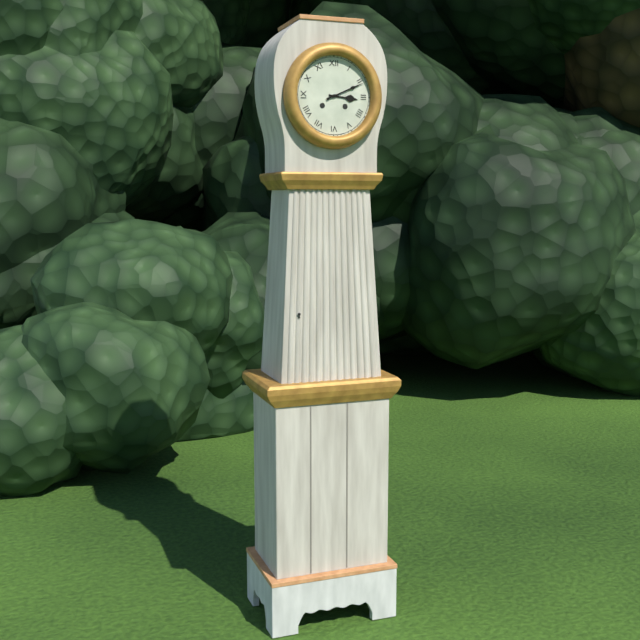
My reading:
**3:11**
